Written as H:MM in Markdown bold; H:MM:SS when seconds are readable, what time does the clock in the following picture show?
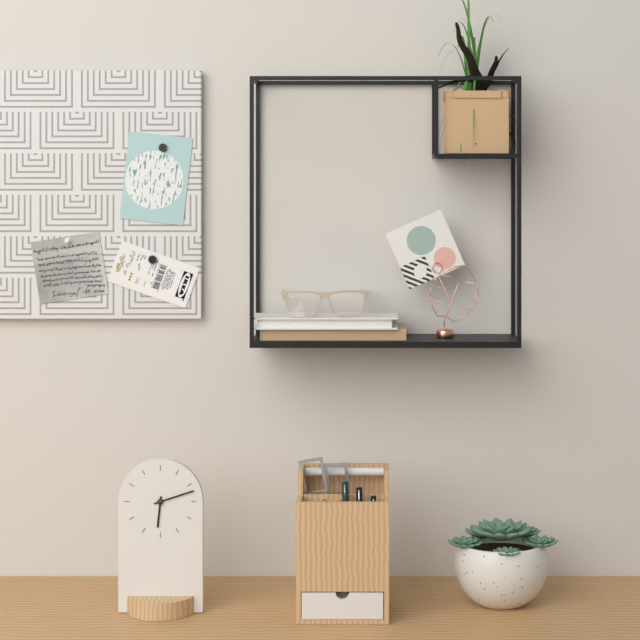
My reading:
**6:12**
